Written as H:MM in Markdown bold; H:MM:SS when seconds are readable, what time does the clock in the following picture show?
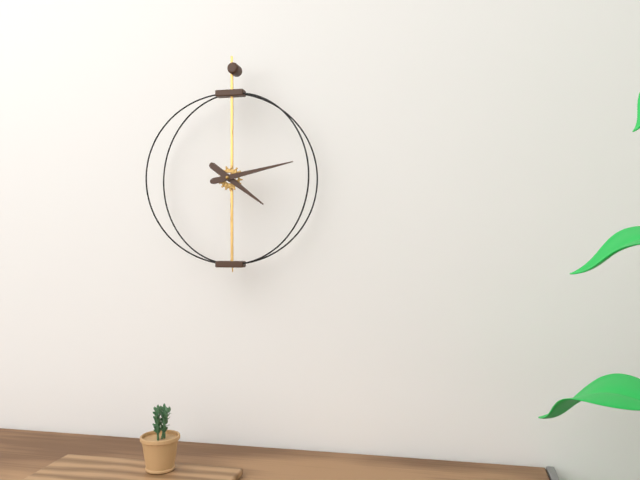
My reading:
**4:13**
